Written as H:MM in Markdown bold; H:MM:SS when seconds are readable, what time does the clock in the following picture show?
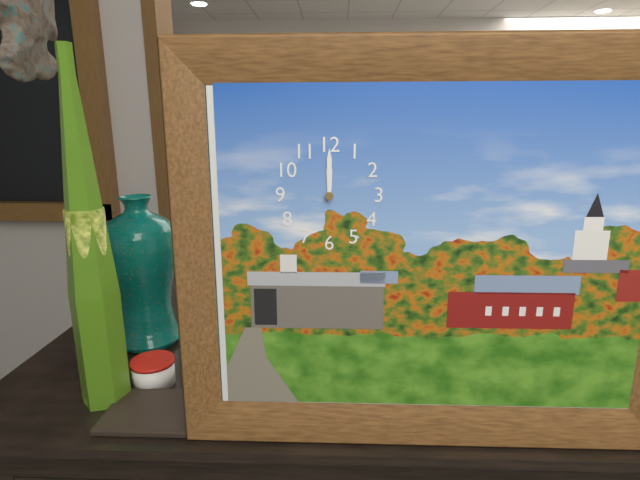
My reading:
**12:00**
